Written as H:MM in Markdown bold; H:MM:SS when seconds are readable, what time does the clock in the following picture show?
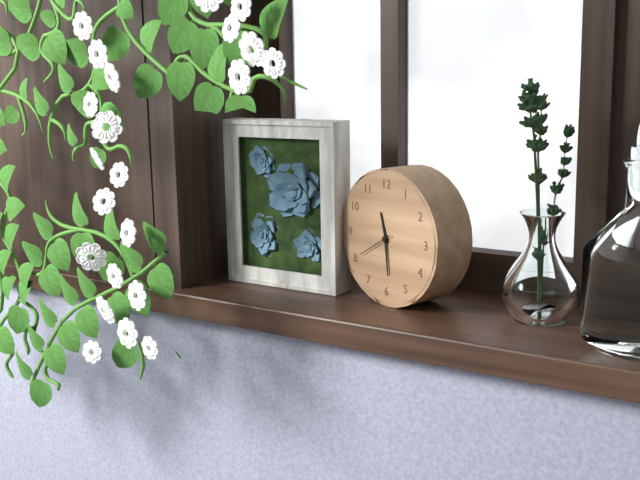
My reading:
**11:29:40**
